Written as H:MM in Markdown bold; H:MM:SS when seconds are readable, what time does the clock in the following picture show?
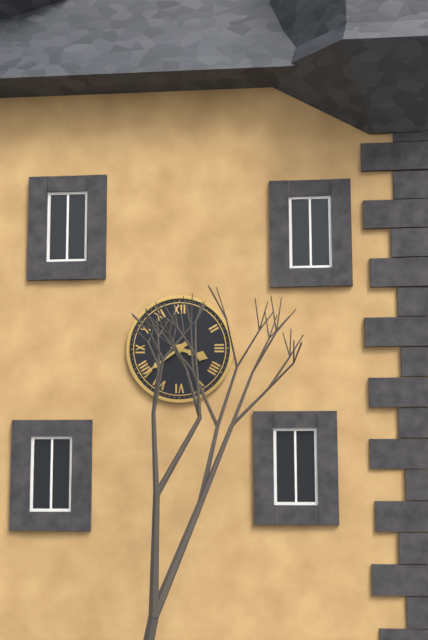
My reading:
**3:39**
